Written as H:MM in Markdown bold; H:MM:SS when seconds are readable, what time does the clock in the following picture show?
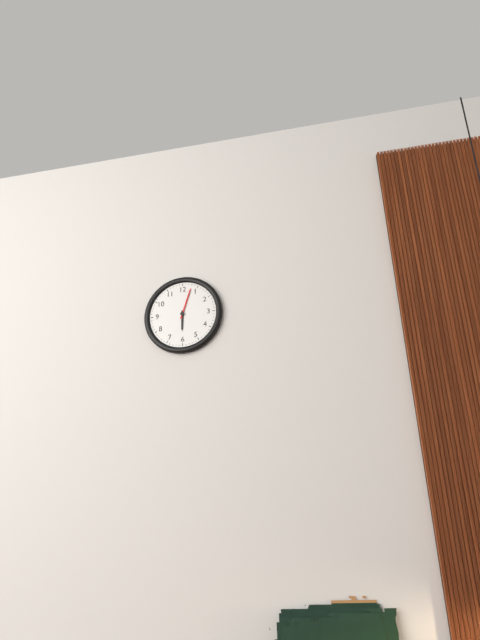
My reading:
**6:03**
